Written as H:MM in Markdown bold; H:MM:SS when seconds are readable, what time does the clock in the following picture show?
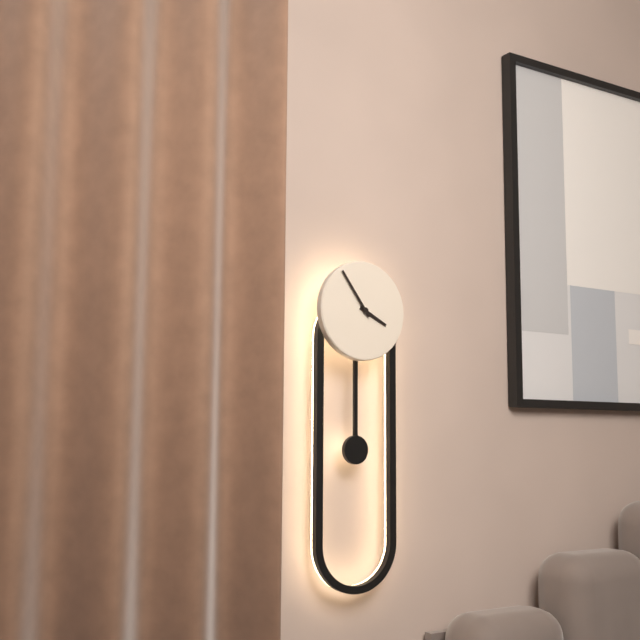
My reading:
**3:54**
